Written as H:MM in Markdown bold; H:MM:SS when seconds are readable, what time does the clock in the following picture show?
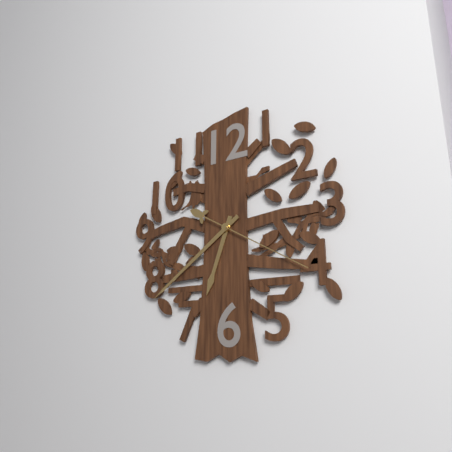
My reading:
**6:39:20**
